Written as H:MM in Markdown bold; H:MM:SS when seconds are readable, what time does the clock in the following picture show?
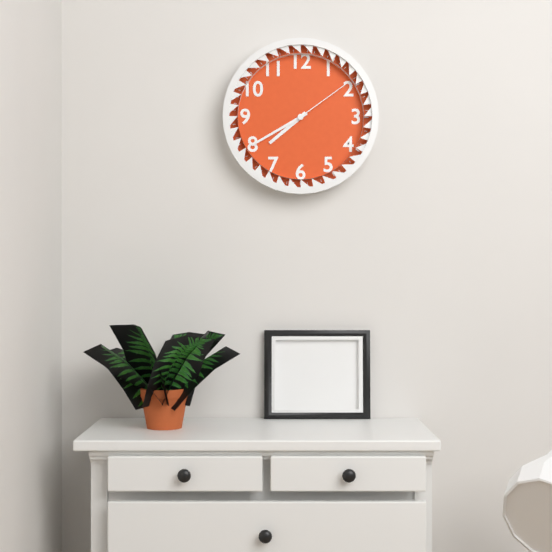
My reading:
**7:40:09**
